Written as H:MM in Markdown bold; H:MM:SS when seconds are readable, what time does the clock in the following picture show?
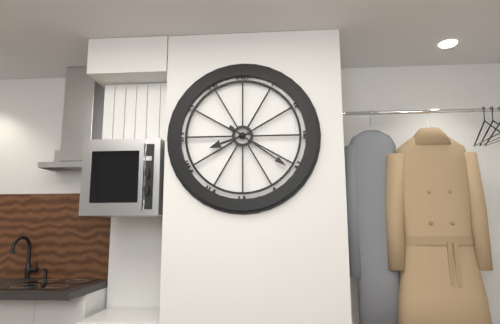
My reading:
**8:21**
